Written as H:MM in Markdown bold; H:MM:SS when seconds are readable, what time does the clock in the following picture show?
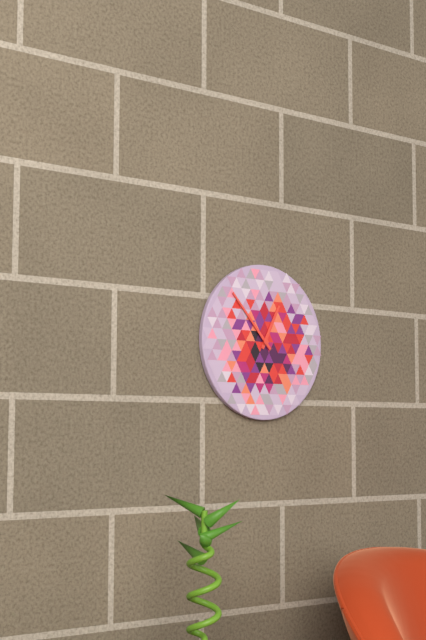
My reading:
**12:53**
